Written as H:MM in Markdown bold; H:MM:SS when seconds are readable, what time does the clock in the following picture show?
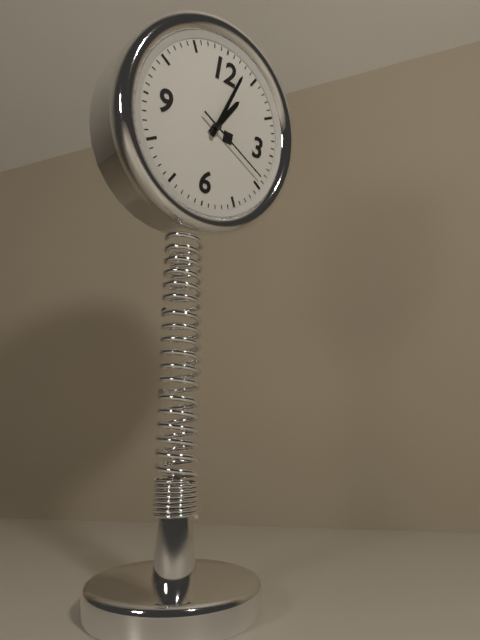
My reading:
**1:03:19**
